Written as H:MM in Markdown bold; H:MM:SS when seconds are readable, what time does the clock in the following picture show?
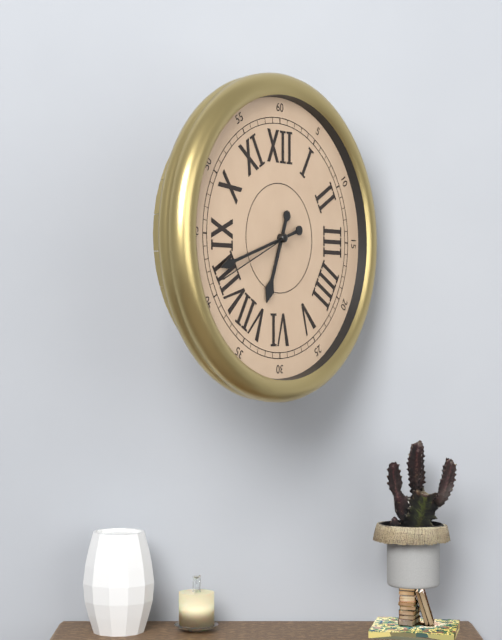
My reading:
**6:42:41**
